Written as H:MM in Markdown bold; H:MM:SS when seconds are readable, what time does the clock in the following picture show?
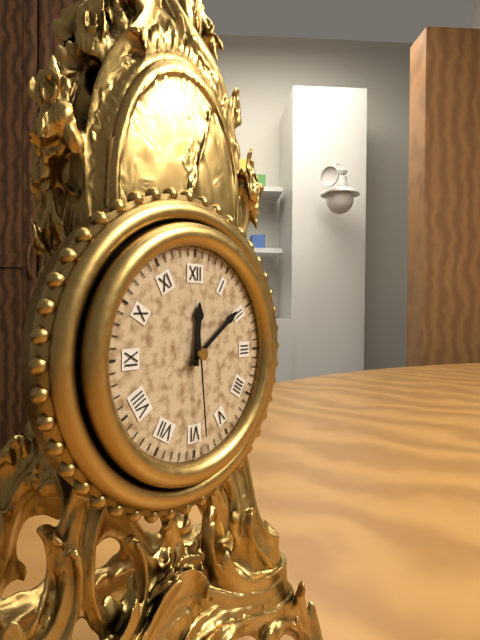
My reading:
**12:09:29**
